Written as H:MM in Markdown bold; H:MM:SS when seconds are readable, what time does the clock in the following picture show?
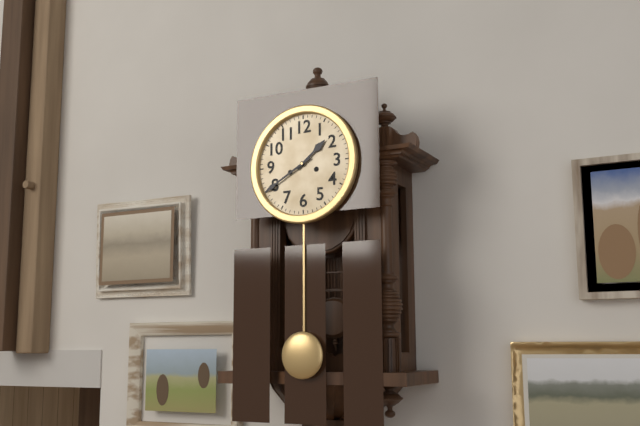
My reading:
**1:40**
